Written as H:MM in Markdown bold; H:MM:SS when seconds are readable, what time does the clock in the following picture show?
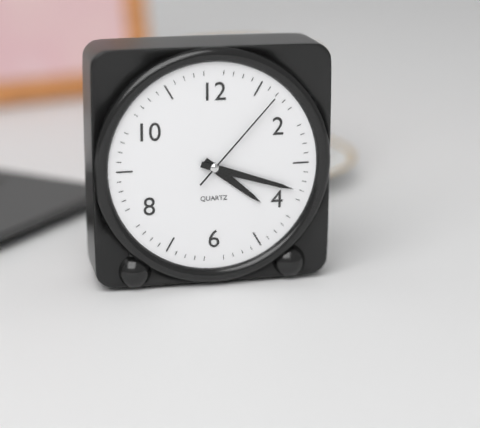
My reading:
**4:18:07**
